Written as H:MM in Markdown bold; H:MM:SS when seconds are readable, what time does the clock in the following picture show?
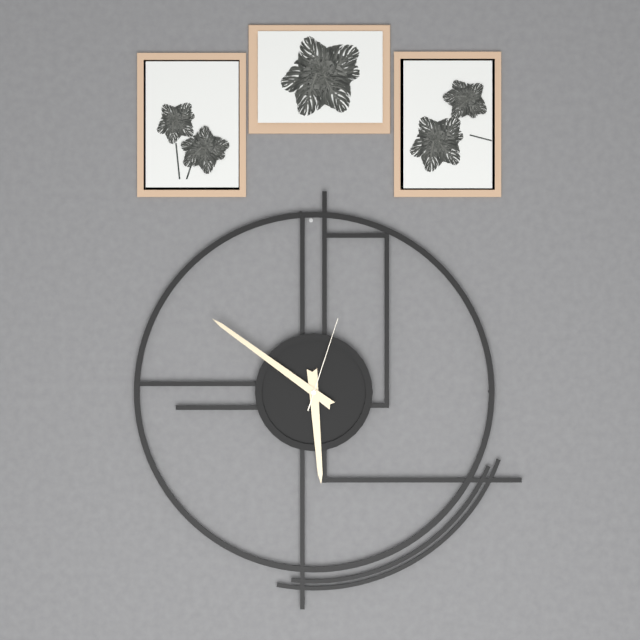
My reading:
**5:51:03**
